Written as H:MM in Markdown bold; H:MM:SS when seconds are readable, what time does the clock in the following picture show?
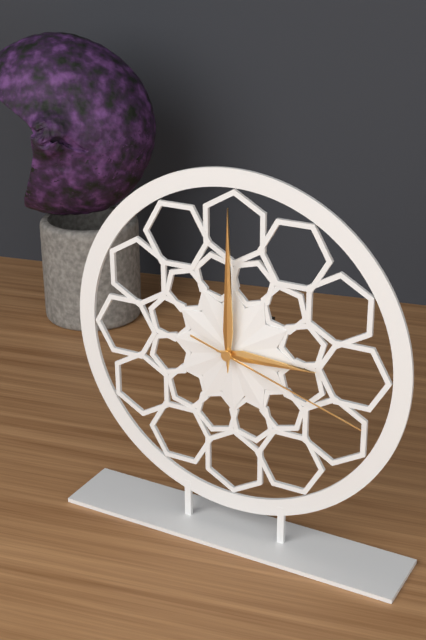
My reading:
**3:00:18**
